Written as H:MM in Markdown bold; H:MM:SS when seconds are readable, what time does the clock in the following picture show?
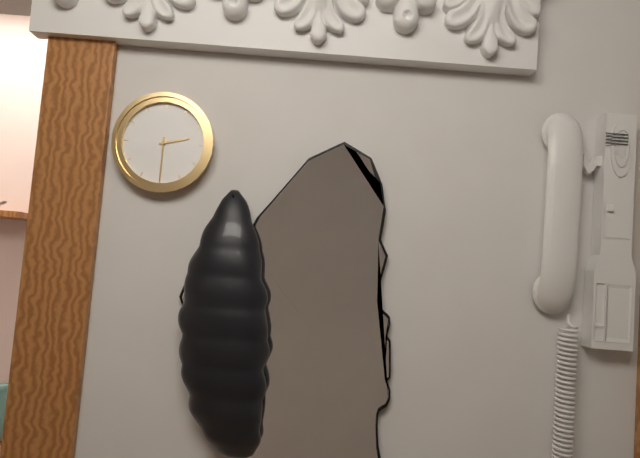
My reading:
**2:30**
